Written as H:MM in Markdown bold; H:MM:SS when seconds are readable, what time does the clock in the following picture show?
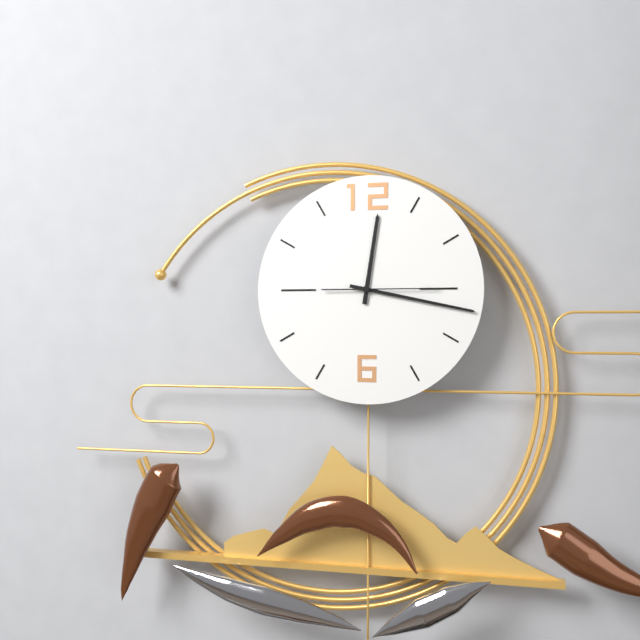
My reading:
**12:17:15**
